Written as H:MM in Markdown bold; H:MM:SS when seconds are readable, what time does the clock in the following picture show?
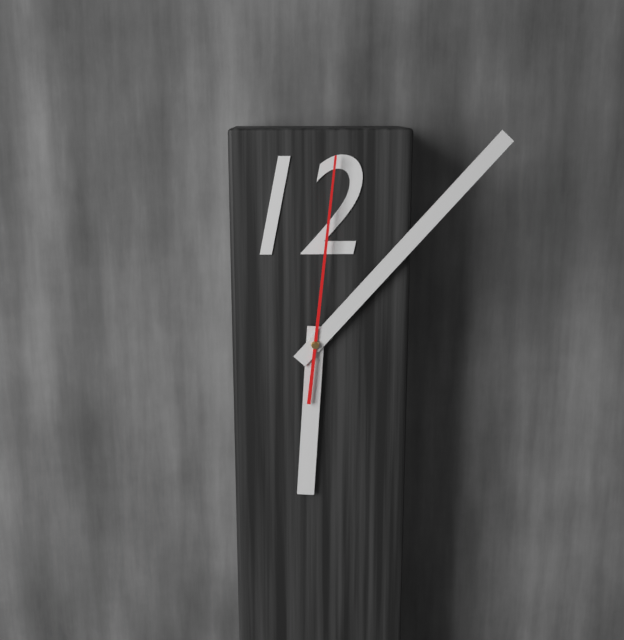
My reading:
**6:07:01**
